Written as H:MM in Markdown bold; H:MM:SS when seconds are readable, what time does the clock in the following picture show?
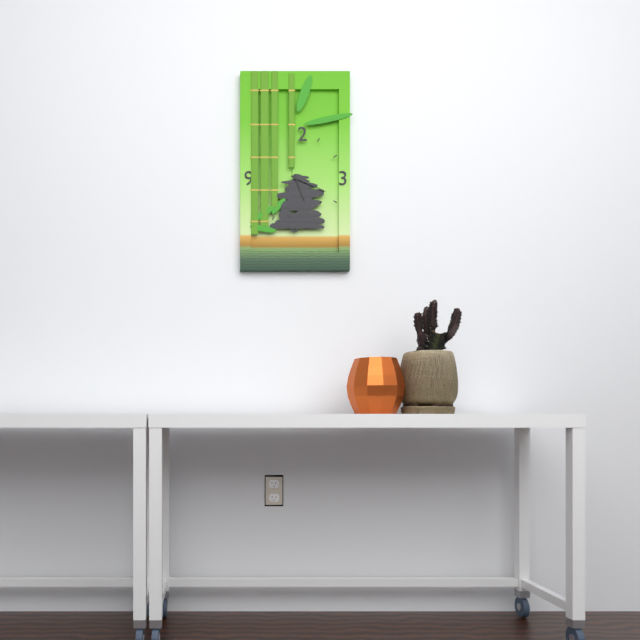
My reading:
**5:19**
